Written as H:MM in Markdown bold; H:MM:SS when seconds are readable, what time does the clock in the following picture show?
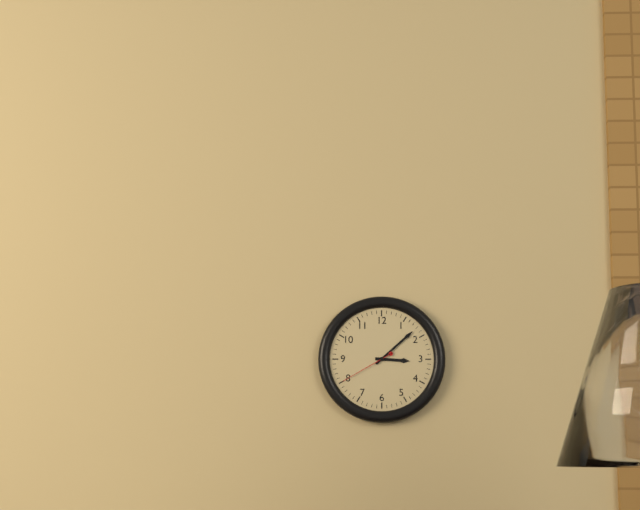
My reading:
**3:08:40**
